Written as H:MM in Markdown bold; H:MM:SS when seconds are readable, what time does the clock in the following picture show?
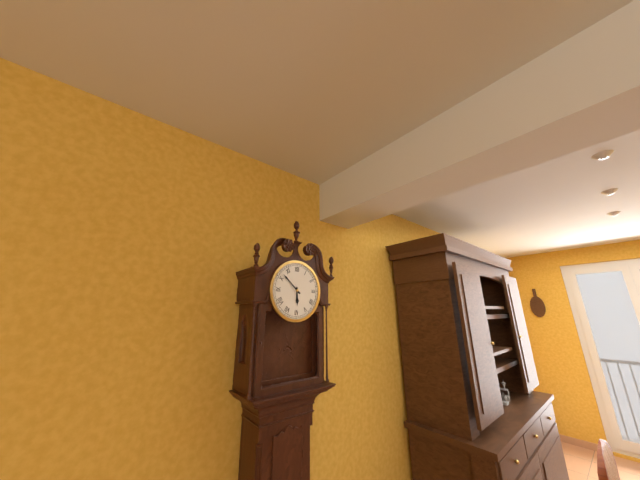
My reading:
**5:52**
